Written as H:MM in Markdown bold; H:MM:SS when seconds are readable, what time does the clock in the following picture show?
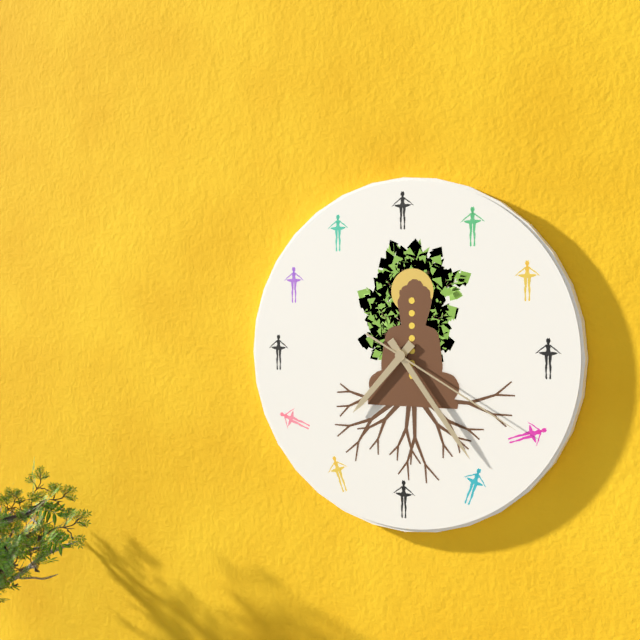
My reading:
**7:24:20**
